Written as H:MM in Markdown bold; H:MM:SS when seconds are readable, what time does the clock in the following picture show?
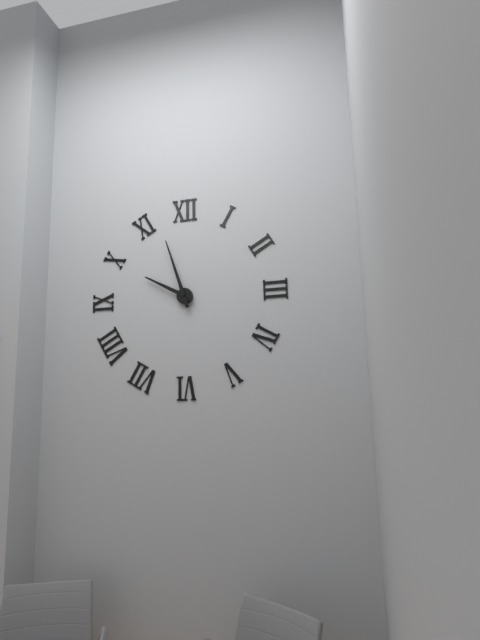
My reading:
**9:57**
